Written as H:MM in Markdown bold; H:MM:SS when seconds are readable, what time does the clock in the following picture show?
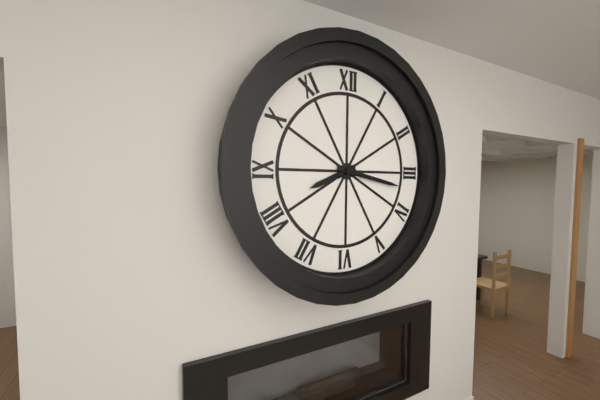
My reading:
**8:17**
